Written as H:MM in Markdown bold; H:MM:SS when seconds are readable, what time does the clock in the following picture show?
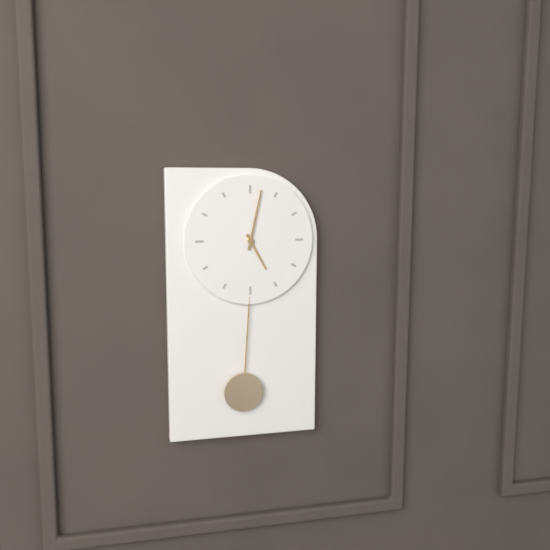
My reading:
**5:02**
